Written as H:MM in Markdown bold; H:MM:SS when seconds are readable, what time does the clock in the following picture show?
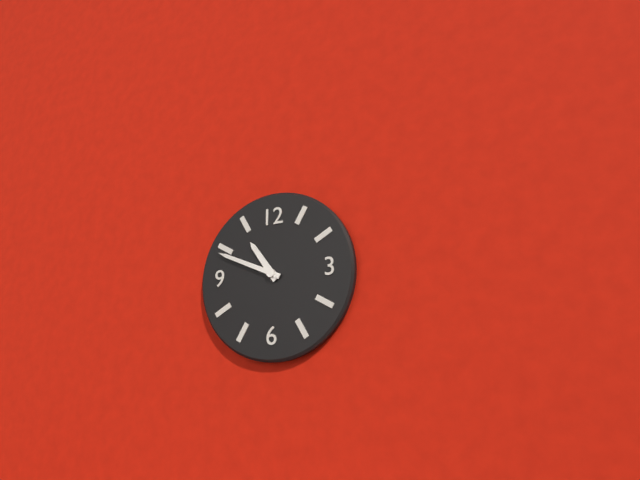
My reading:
**10:49**
